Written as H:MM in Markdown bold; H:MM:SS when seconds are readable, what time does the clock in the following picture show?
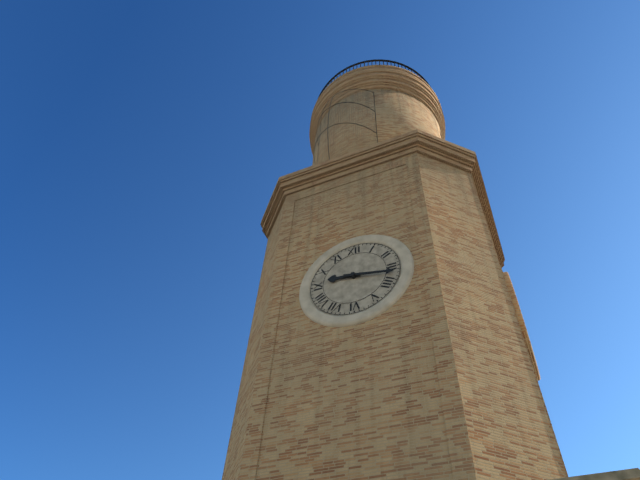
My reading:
**9:17**
